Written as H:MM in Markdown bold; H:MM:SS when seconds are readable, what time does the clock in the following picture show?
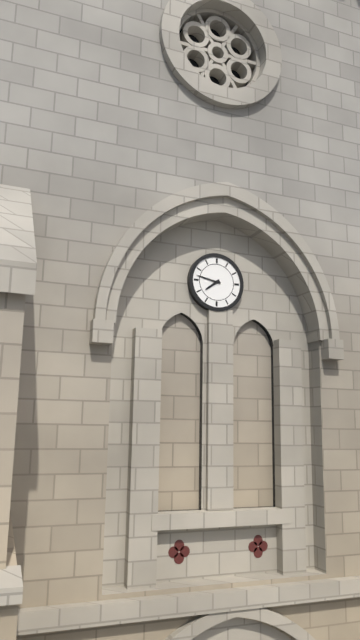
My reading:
**7:47**
